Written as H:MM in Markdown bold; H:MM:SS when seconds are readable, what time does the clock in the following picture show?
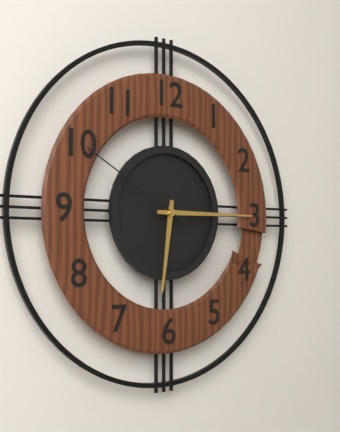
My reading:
**6:15:50**
